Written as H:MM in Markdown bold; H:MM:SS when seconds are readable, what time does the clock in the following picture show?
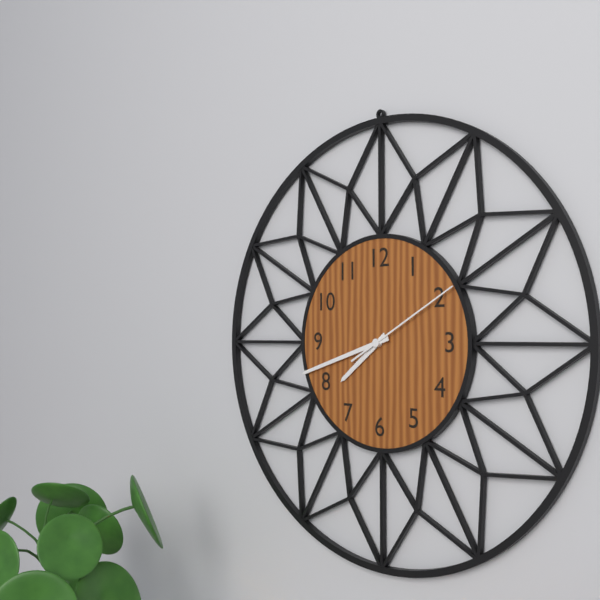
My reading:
**7:42:10**
